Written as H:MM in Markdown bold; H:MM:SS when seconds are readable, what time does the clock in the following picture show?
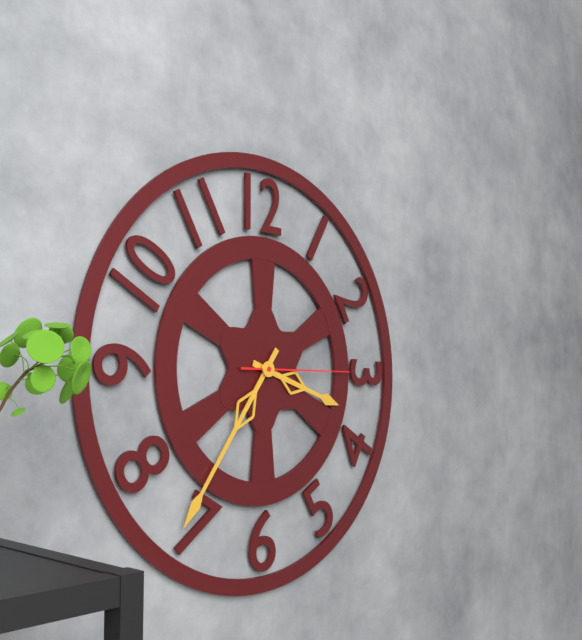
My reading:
**3:36:15**
